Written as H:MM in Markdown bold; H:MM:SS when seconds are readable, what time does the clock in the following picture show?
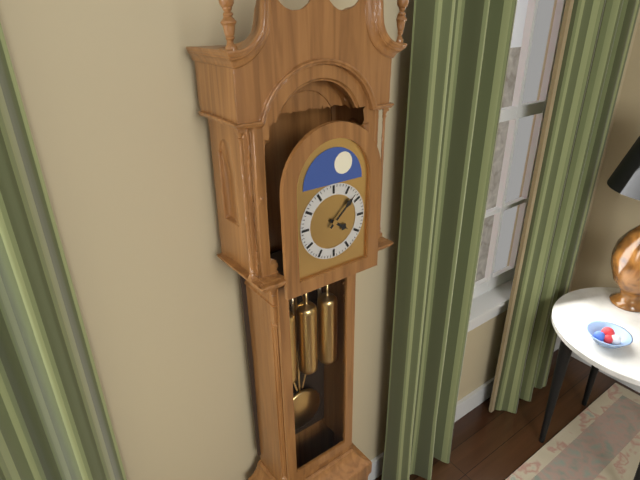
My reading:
**4:08**
